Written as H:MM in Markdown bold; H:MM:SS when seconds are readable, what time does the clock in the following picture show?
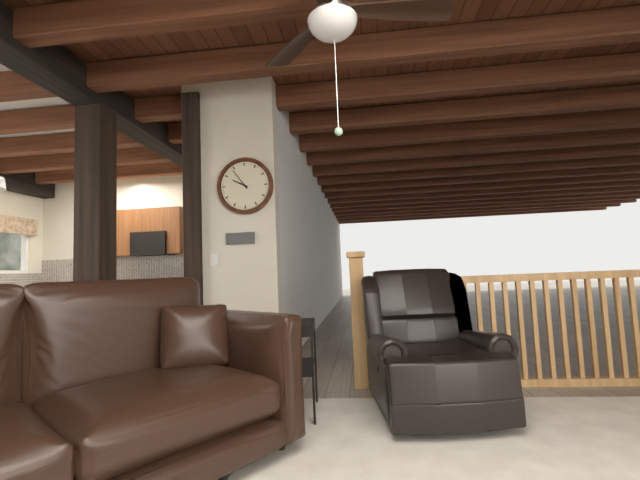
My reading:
**9:54**
